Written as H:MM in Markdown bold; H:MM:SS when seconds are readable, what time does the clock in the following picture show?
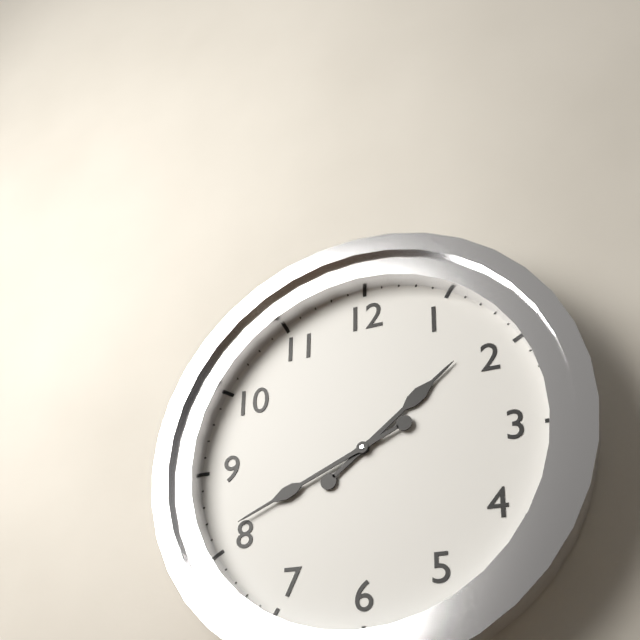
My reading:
**1:41**
